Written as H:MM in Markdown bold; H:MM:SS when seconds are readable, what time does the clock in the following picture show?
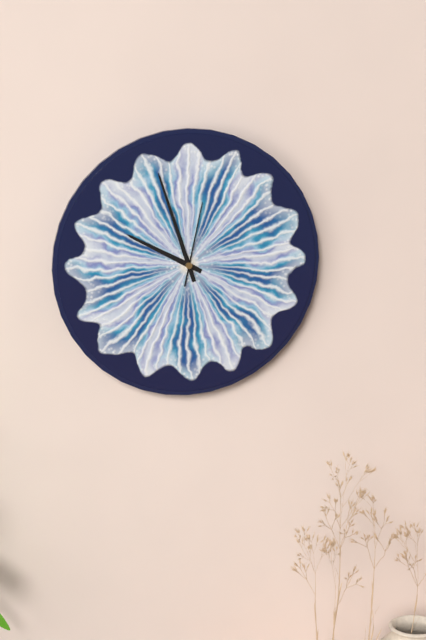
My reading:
**9:57:02**
